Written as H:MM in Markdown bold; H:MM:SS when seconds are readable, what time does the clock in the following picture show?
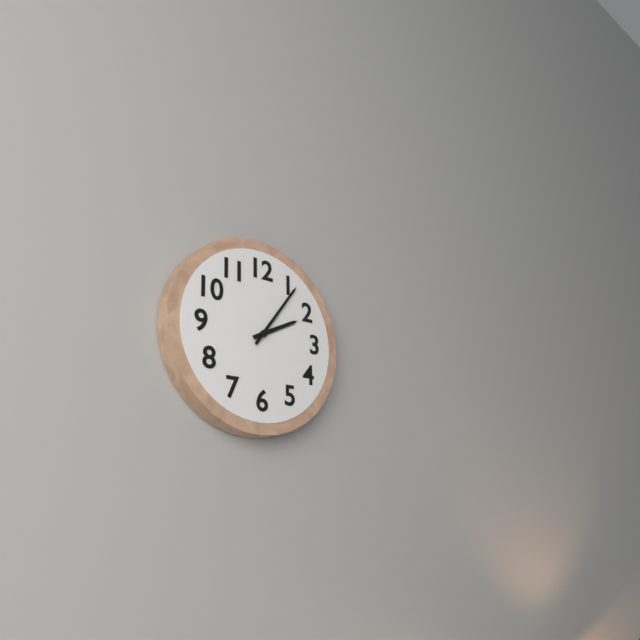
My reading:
**2:06**
